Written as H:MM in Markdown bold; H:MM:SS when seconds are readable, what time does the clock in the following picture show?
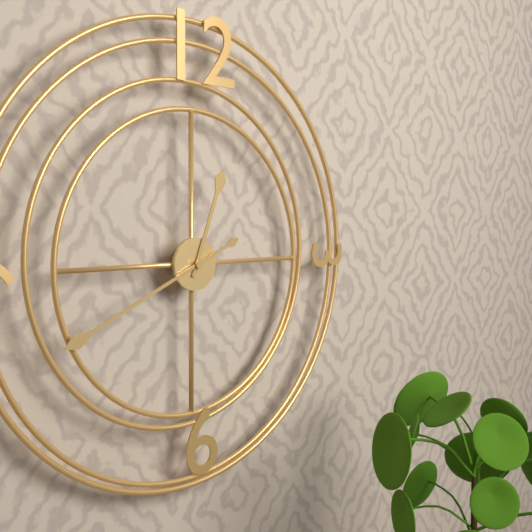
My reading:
**12:41**
